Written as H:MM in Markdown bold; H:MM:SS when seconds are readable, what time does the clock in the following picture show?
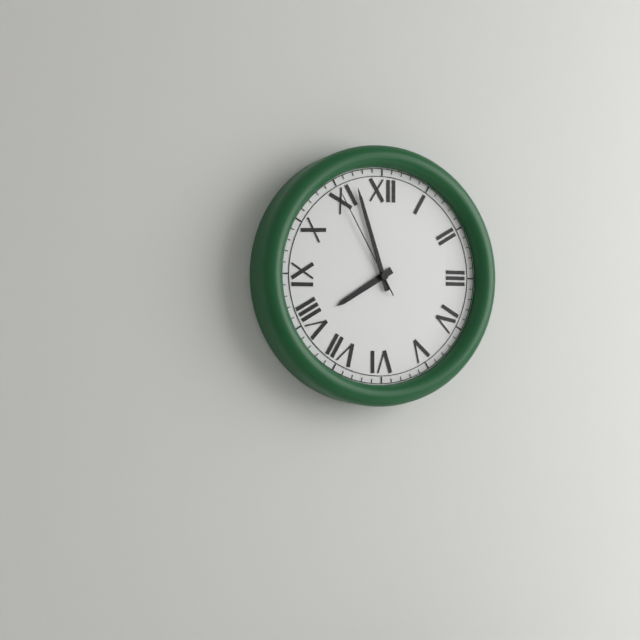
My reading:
**7:57:55**
